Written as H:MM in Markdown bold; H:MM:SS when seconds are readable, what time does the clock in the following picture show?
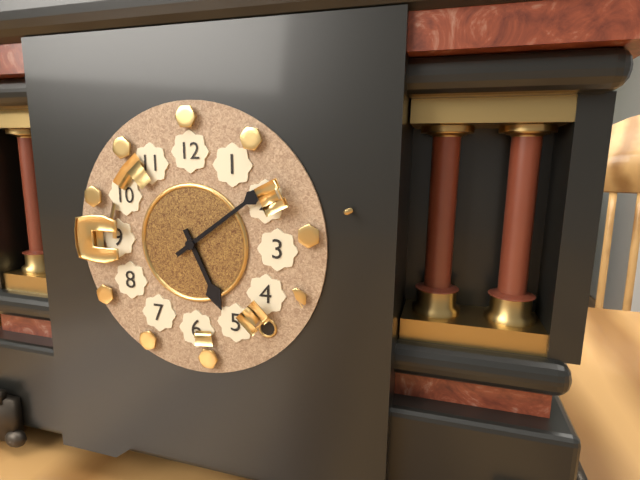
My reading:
**5:09**
